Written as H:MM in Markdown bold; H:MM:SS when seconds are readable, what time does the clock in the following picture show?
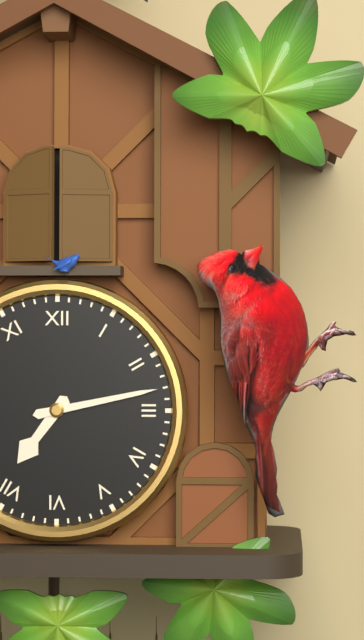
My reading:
**7:13**
